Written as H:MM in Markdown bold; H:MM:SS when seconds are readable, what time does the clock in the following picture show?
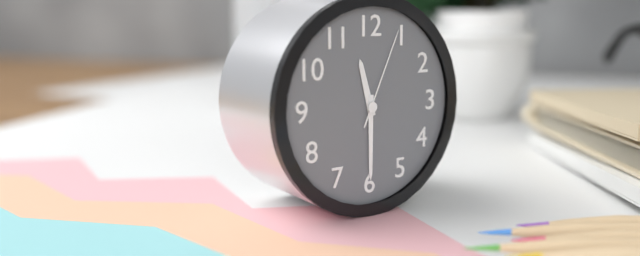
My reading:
**11:30:04**
